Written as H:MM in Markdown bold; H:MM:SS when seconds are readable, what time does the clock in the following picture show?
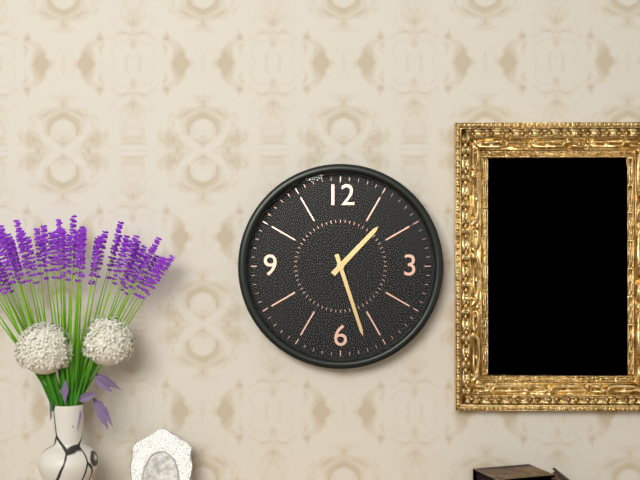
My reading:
**1:27**
